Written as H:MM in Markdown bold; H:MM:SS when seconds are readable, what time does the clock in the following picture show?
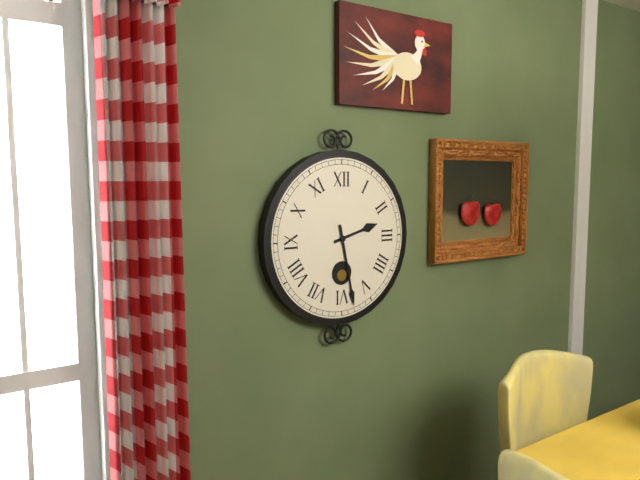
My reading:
**2:28**
